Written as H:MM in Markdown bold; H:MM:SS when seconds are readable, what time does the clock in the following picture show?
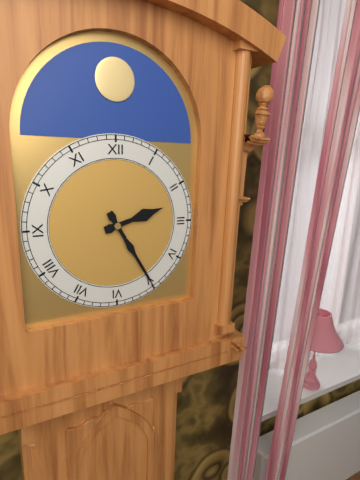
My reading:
**2:25**
